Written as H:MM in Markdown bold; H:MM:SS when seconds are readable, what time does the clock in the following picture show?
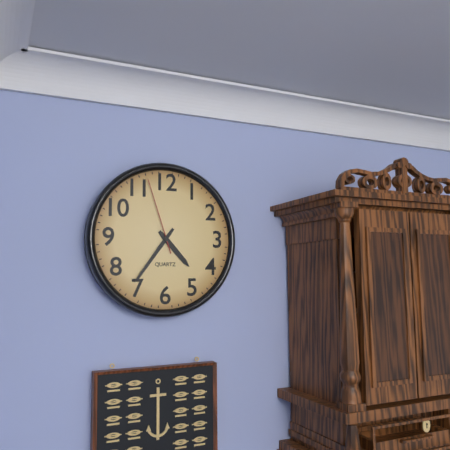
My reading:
**4:36:57**
